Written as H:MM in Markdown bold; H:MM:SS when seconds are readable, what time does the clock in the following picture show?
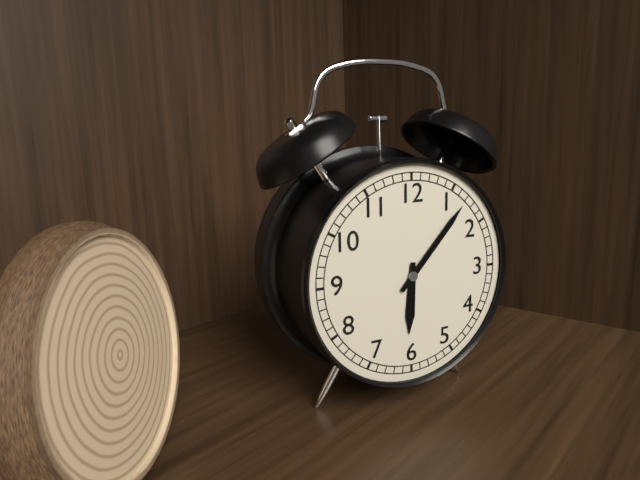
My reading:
**6:07**
